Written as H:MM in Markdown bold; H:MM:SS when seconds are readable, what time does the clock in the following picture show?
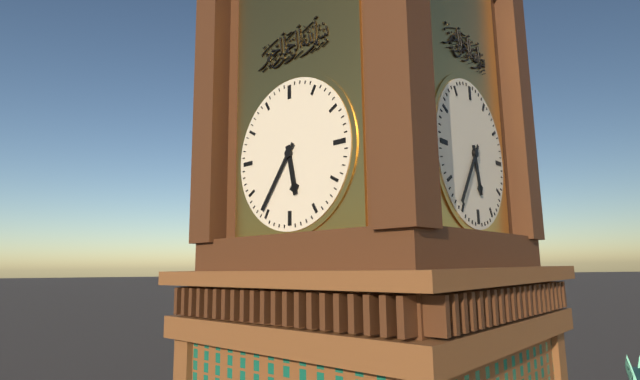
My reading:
**5:36**
